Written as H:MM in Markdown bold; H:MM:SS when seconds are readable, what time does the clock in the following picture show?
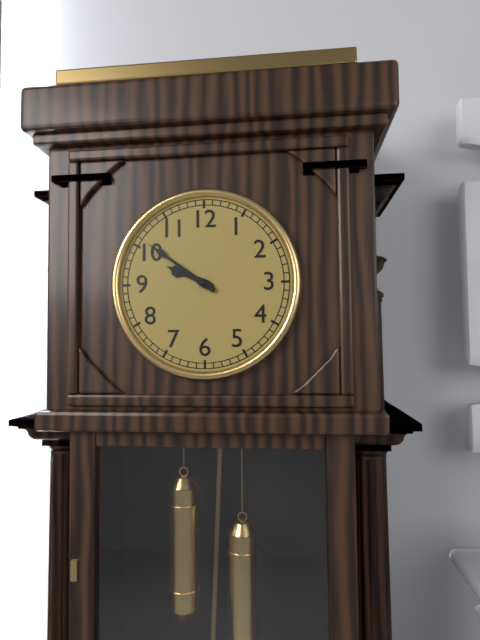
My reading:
**9:51**
